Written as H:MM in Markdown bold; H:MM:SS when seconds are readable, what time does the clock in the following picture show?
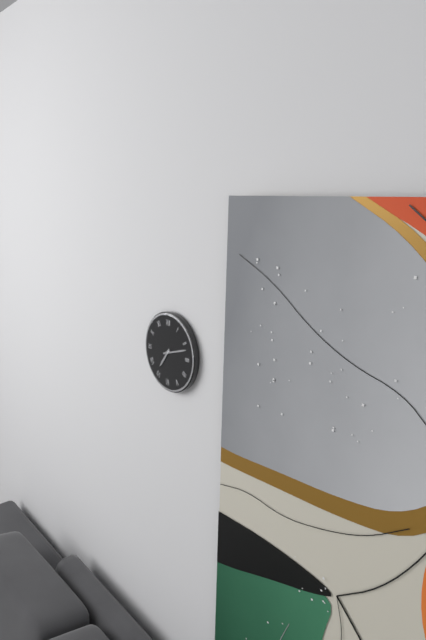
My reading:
**7:12**
